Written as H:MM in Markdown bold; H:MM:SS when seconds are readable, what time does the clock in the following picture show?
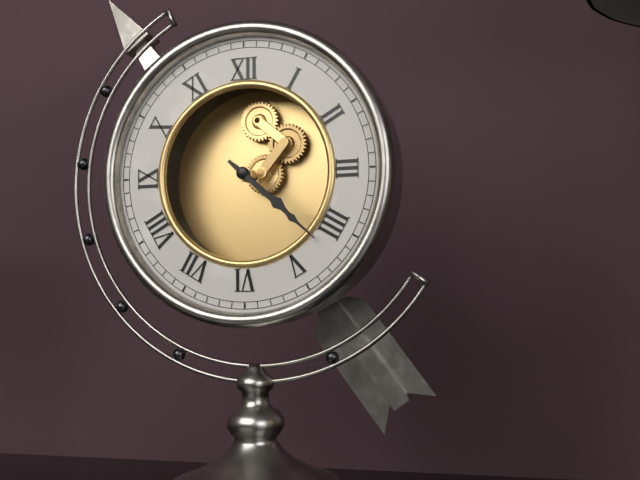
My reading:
**4:22**
